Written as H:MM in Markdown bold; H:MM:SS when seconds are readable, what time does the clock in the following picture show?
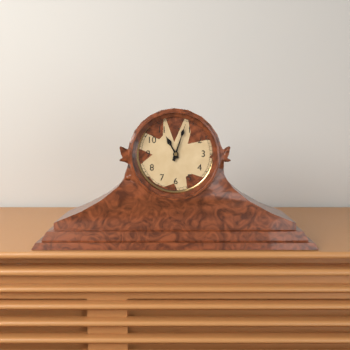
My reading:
**11:03**
